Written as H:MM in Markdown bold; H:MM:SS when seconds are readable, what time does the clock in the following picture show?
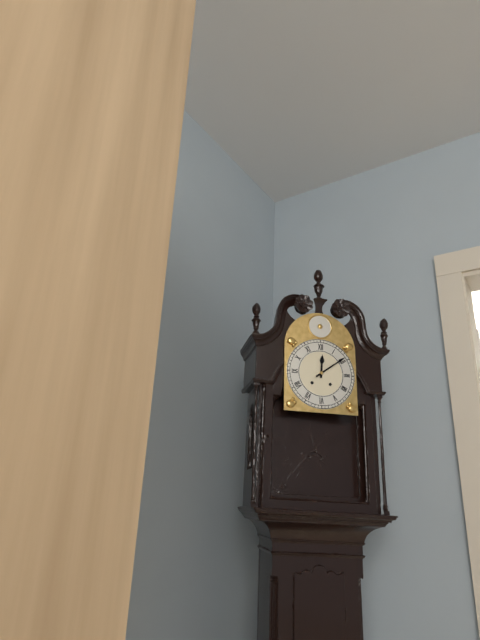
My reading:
**12:09**
